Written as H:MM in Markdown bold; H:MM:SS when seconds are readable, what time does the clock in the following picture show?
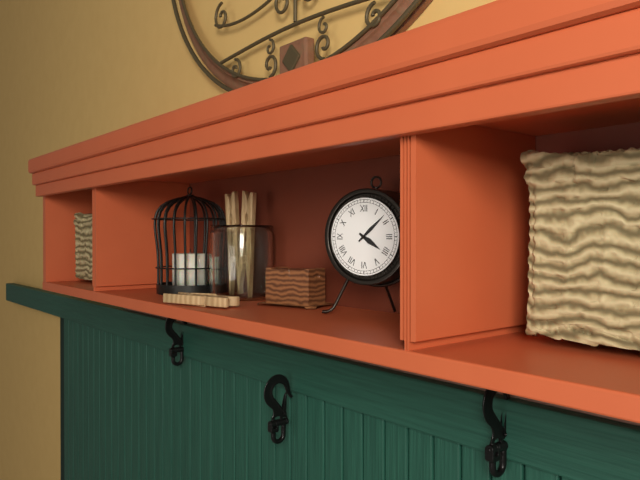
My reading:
**4:08**
